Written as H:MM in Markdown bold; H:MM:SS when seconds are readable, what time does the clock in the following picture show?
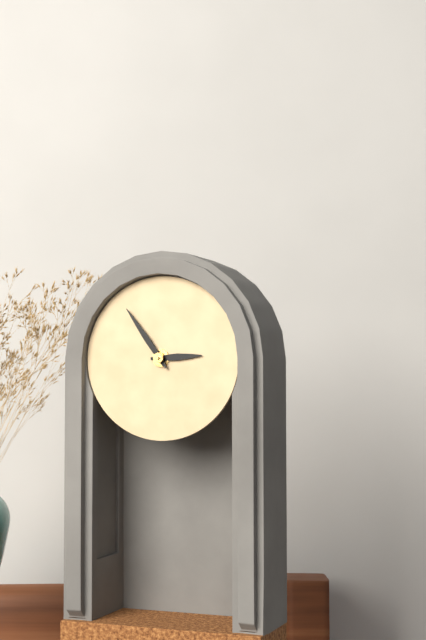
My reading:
**2:54**
